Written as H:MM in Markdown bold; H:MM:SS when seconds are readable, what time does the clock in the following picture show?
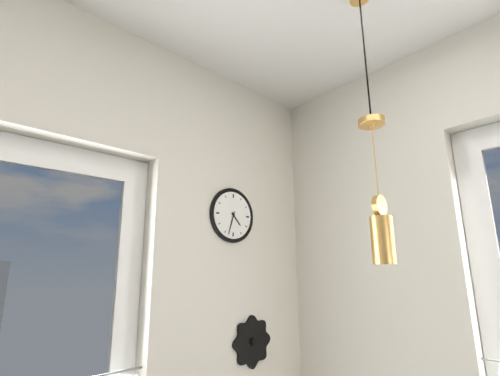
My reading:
**4:33**
